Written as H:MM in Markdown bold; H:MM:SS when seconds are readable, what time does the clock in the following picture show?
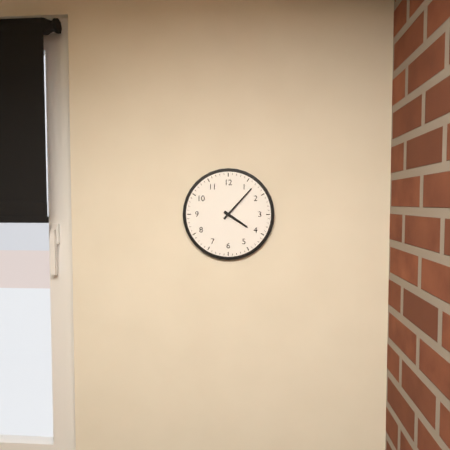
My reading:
**4:07**
